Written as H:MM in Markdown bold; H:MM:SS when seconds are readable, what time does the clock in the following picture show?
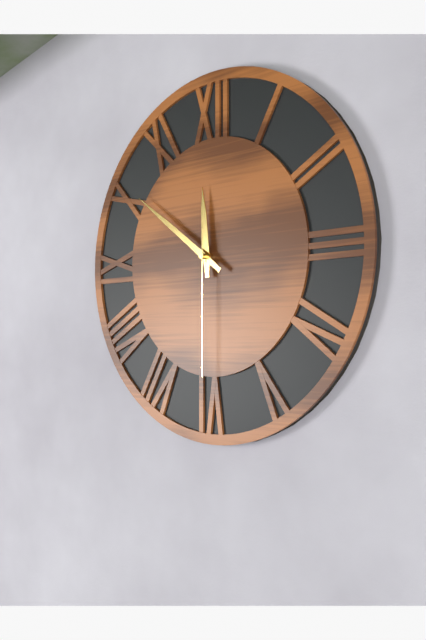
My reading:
**11:51:30**
